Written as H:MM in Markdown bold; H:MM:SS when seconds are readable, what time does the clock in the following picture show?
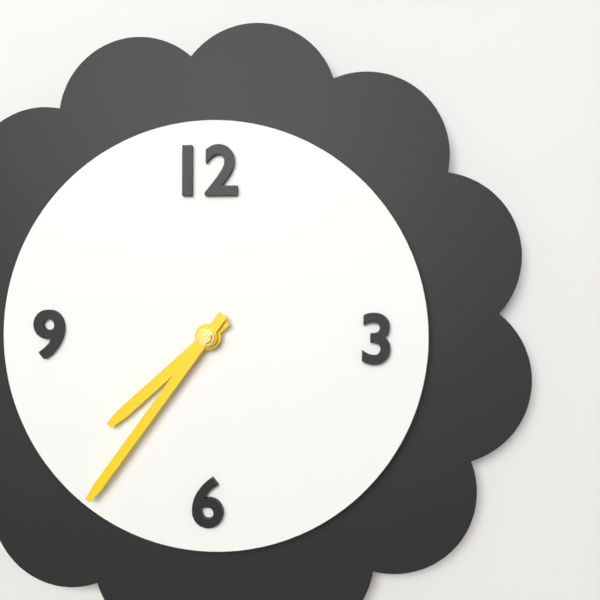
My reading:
**7:36**
